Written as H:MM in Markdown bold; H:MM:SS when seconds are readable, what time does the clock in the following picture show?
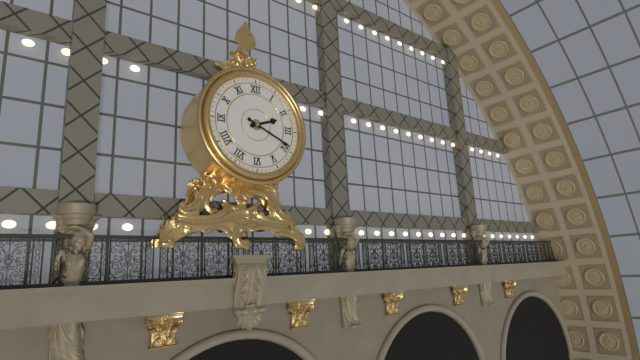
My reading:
**2:19**
